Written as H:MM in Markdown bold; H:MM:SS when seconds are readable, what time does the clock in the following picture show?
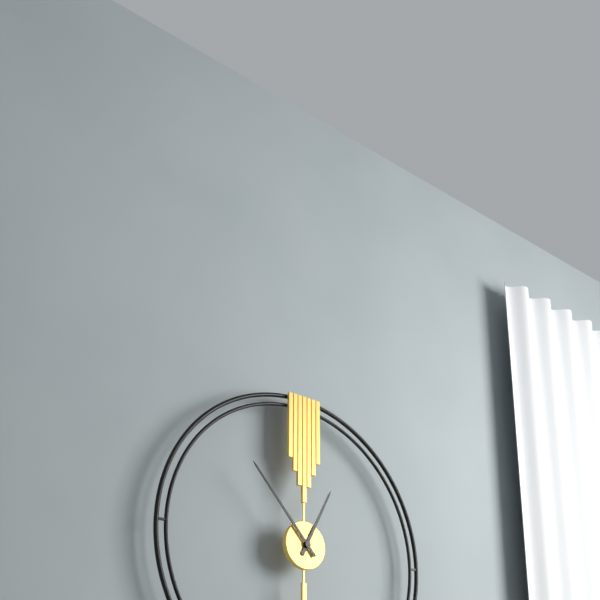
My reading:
**12:53**
